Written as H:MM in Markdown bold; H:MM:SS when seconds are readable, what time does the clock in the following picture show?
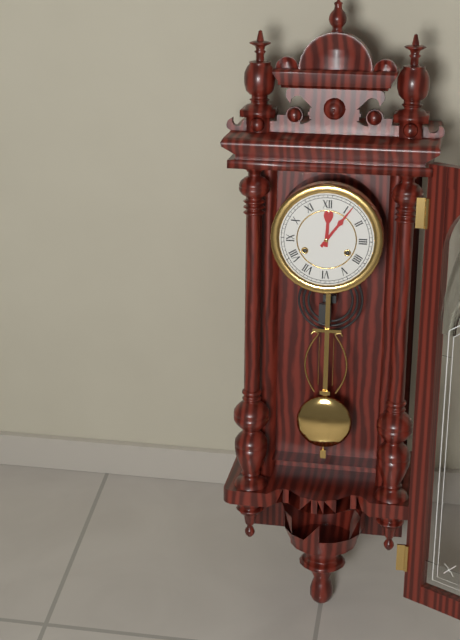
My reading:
**12:06**
